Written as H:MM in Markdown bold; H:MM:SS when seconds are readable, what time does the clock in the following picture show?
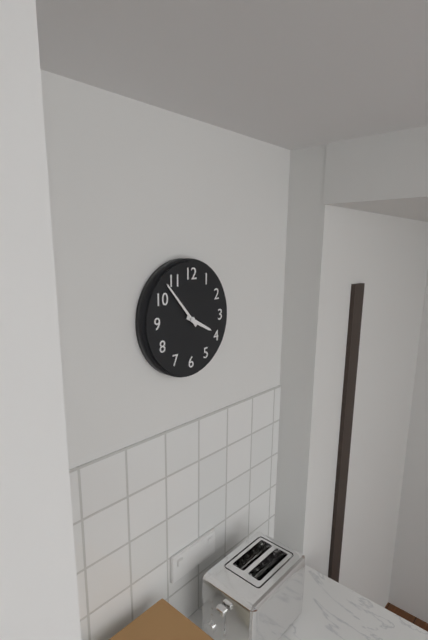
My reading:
**3:53**
